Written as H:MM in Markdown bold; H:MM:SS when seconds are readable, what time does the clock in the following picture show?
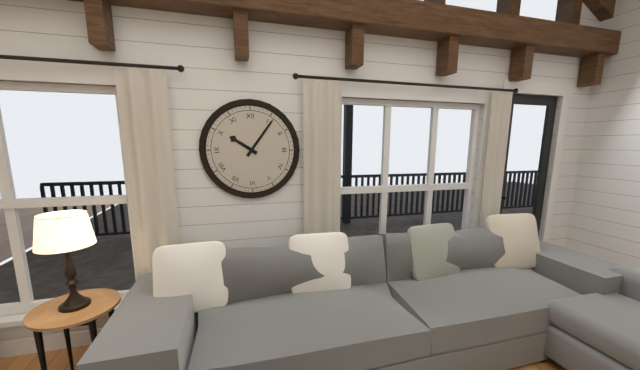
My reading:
**10:06**
